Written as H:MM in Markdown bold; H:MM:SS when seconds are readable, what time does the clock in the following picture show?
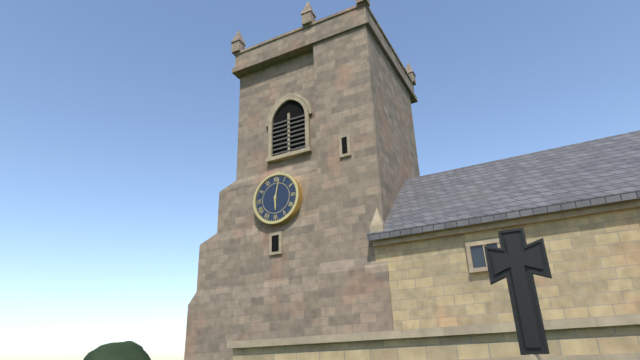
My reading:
**6:02**
